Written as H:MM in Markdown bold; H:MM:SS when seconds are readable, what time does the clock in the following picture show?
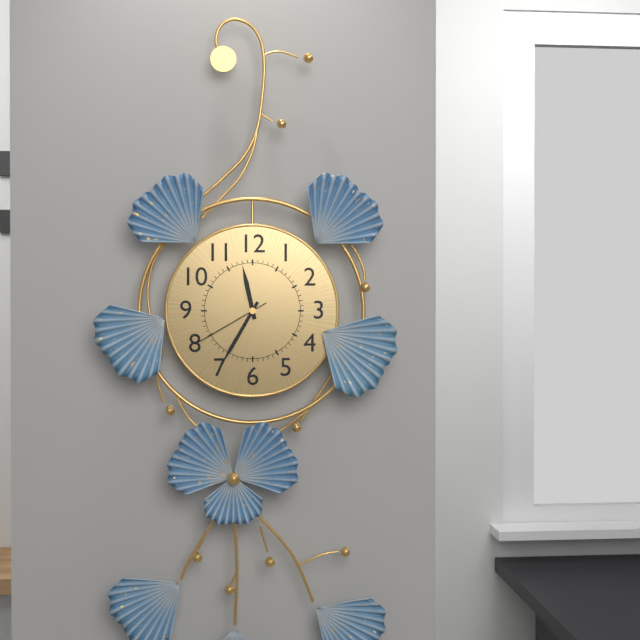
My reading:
**11:35:40**
